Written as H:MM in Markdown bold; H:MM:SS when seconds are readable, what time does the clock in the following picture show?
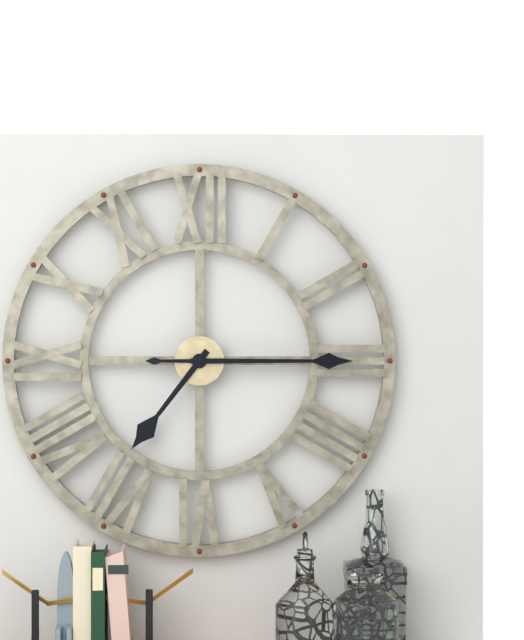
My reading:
**7:15**
